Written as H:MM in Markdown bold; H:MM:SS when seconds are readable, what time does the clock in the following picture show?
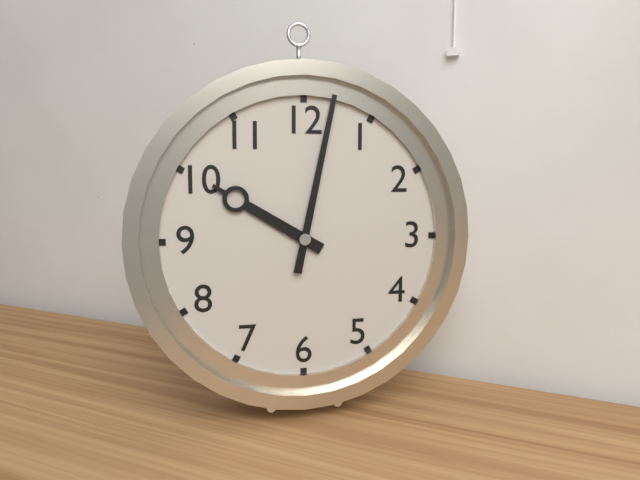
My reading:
**10:02**
